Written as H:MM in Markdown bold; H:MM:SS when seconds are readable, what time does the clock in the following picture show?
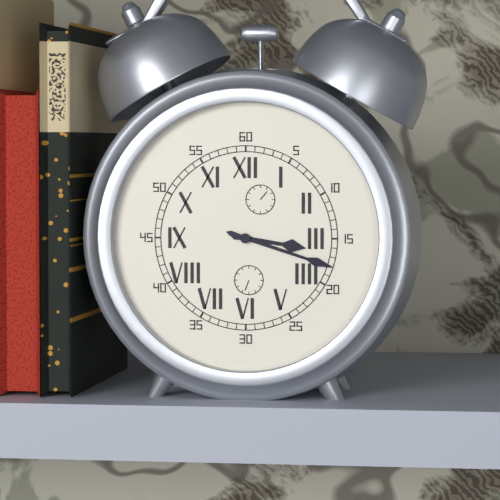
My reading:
**3:18**
